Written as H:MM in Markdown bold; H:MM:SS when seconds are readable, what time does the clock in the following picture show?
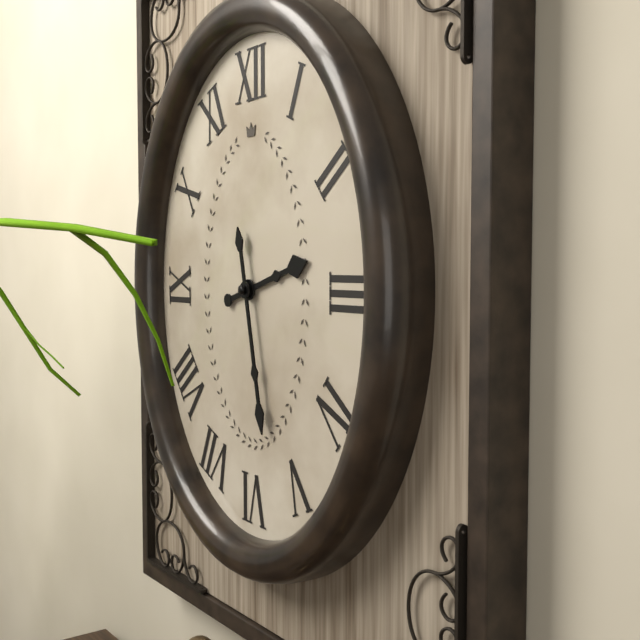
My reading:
**2:28**
